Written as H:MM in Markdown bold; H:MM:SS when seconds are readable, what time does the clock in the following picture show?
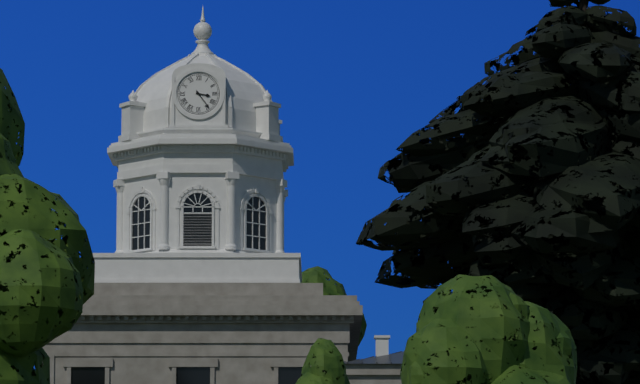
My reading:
**3:24**
